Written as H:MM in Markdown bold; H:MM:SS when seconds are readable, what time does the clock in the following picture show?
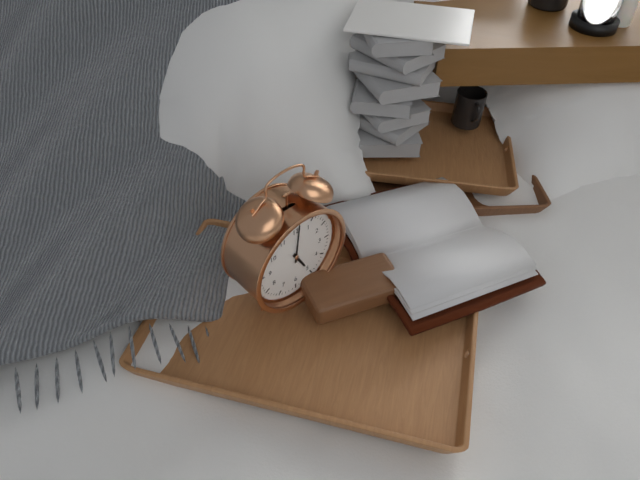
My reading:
**5:01**
